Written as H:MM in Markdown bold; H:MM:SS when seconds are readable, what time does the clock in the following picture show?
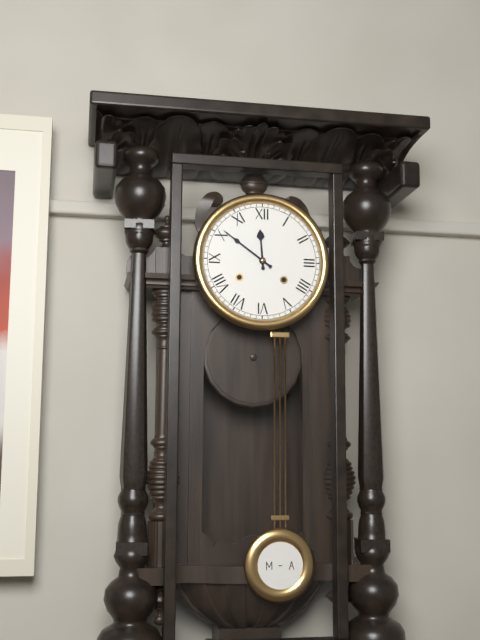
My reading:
**11:51**
